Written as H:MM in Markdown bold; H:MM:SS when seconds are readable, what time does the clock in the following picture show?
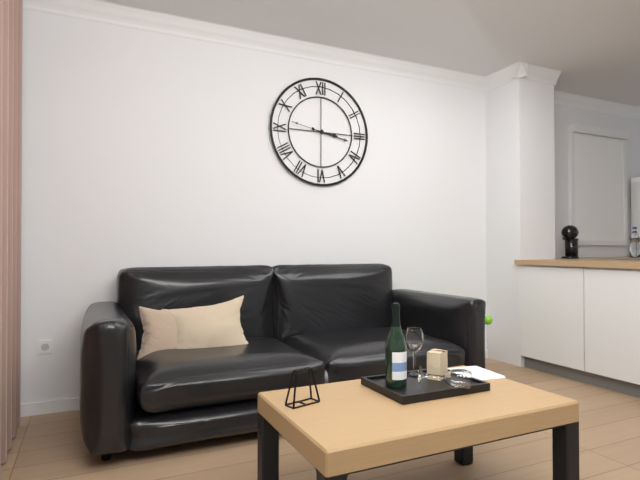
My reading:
**3:17**
